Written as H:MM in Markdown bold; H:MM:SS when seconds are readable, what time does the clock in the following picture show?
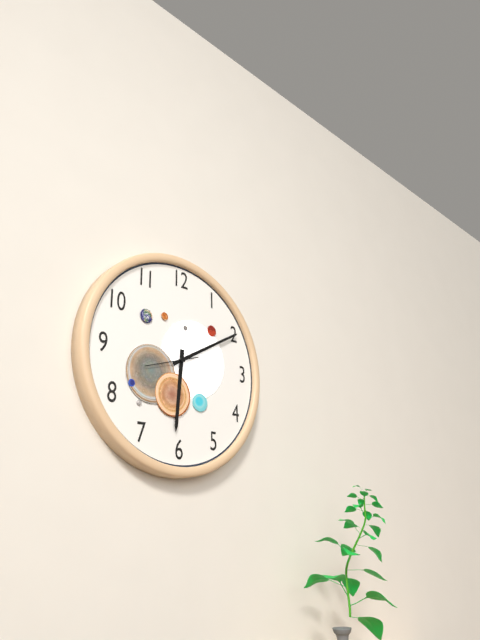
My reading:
**6:10**
